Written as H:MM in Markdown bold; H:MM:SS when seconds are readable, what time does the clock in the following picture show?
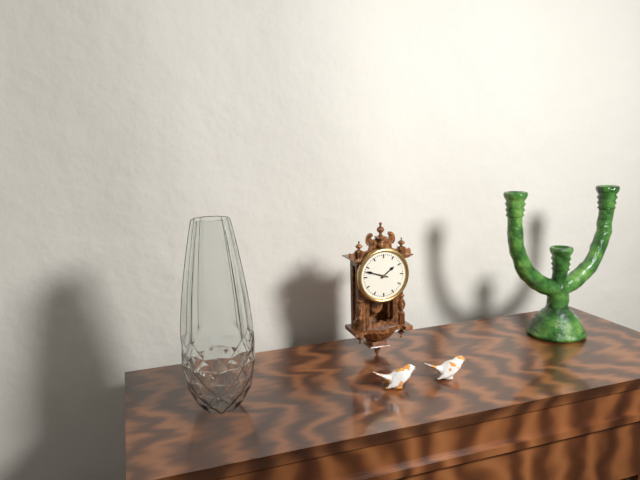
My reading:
**1:48**
